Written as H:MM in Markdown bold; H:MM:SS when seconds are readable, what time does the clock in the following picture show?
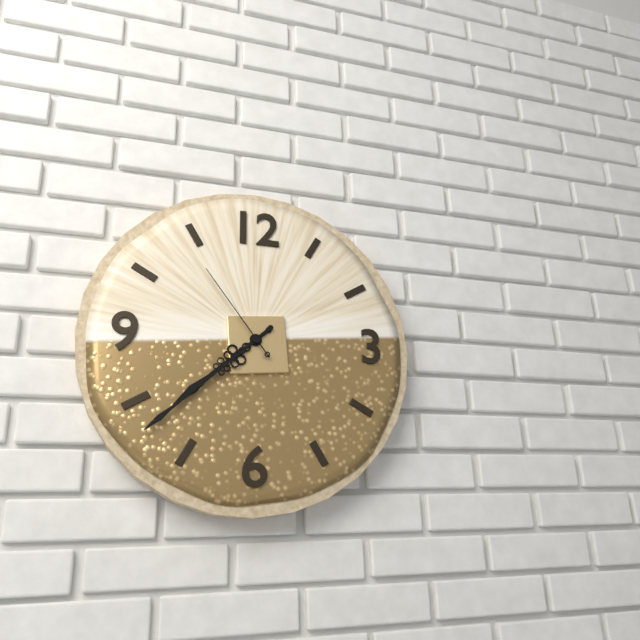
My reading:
**7:38:54**
